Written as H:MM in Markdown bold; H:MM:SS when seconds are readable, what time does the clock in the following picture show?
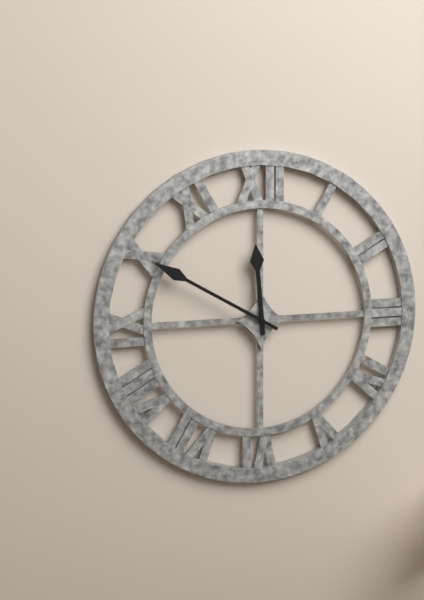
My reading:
**11:50**
